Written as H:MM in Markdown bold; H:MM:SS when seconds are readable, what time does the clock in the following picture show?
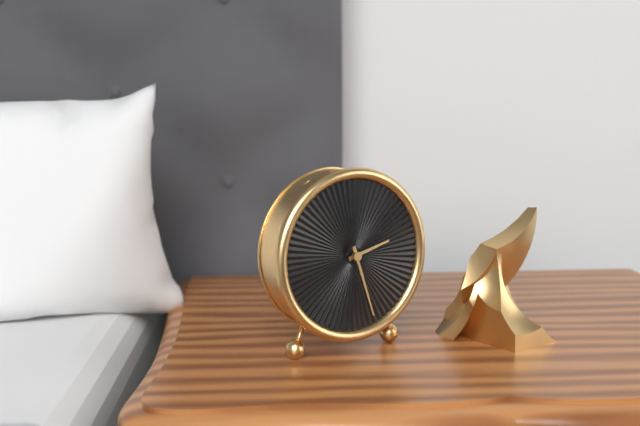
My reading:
**2:27**
